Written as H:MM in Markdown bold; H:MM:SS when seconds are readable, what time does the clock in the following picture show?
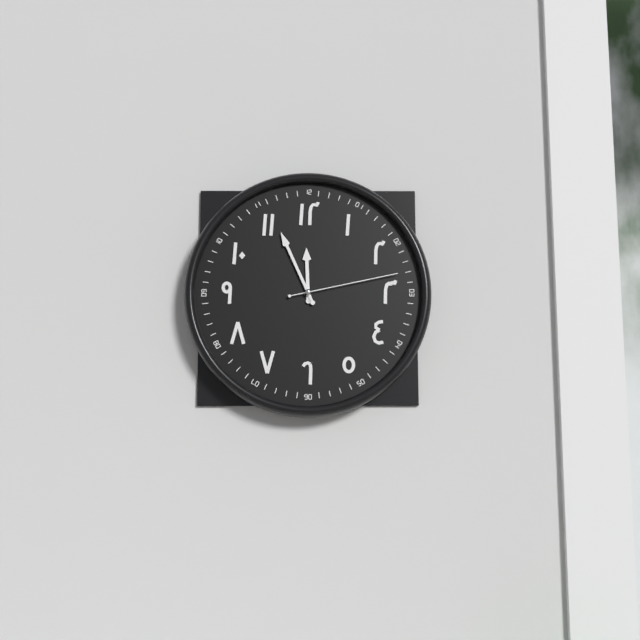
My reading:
**11:56:13**
